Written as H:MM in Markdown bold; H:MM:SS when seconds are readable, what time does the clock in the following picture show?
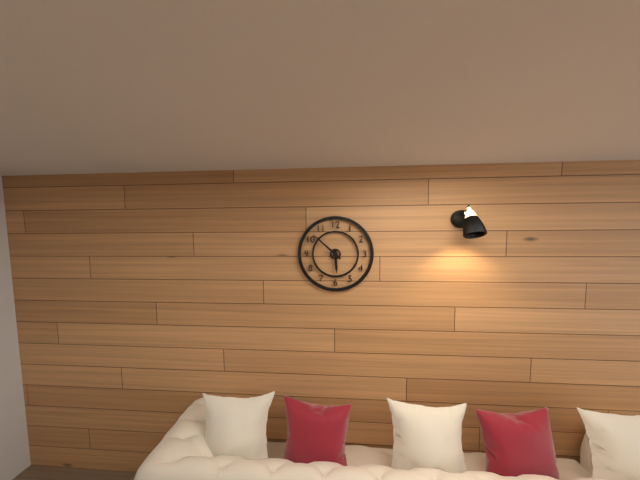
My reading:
**5:52**
